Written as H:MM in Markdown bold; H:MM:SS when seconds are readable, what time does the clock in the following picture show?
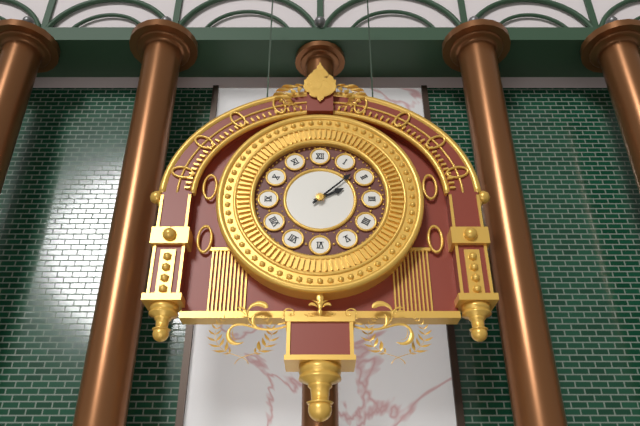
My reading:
**2:08**
